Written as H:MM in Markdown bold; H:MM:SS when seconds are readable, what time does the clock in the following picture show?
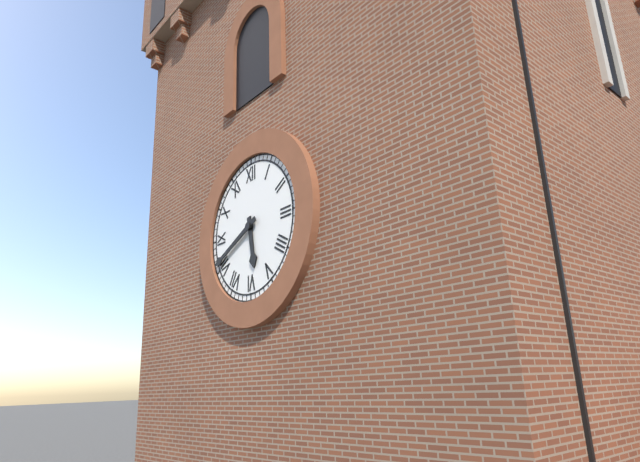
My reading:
**5:41**
